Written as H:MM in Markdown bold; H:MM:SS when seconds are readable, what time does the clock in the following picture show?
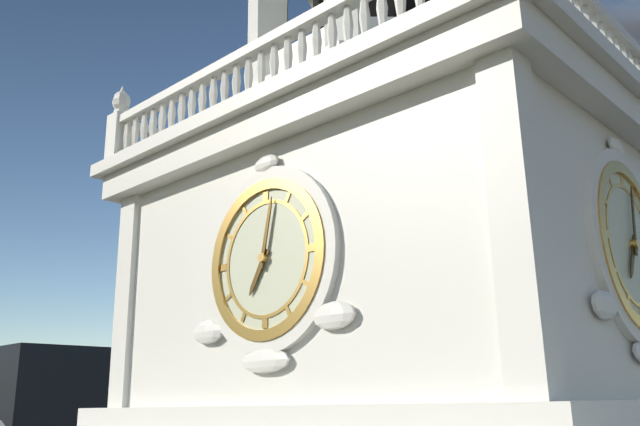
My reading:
**7:02**
